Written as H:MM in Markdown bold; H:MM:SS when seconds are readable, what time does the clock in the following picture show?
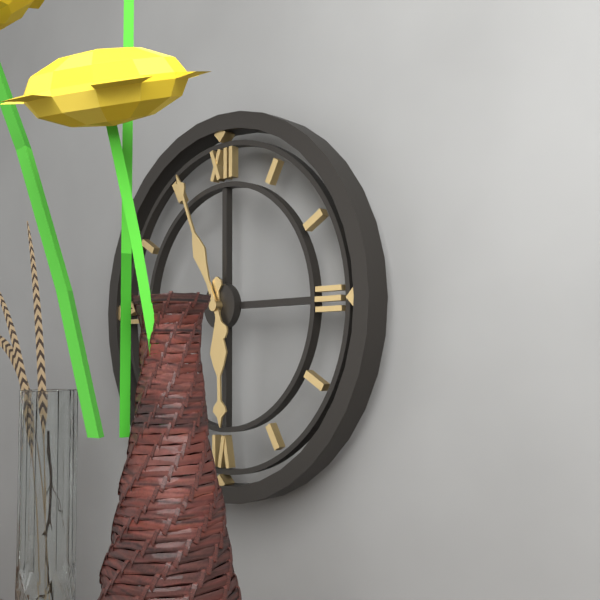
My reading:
**5:56**
